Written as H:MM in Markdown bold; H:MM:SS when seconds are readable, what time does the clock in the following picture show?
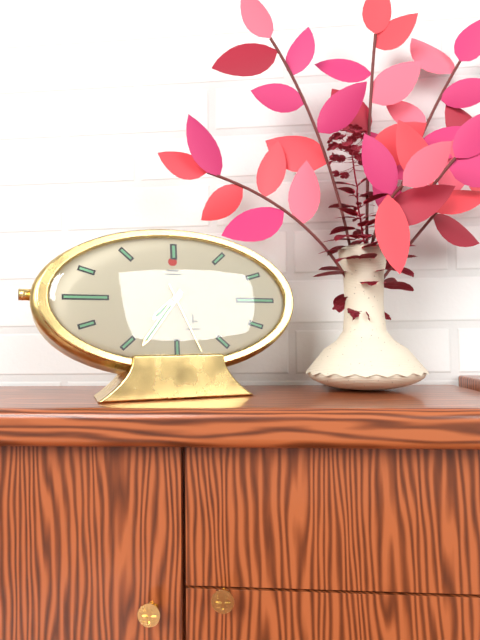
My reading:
**7:36:26**
